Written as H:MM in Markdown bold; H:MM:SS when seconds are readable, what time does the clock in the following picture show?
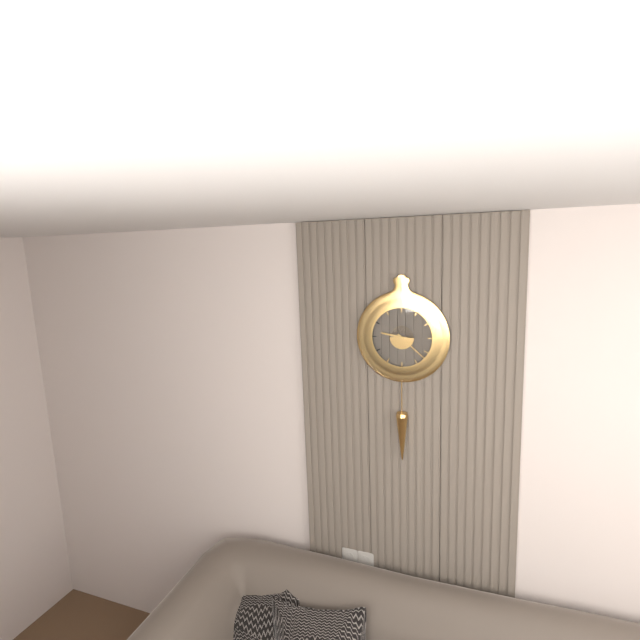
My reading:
**9:22**
